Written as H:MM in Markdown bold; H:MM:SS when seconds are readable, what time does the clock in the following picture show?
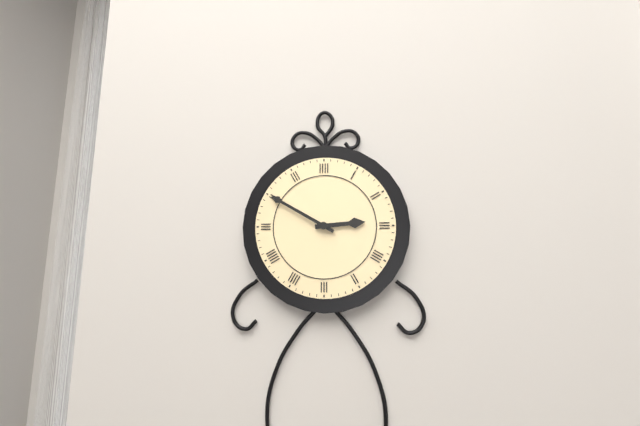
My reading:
**2:50**
